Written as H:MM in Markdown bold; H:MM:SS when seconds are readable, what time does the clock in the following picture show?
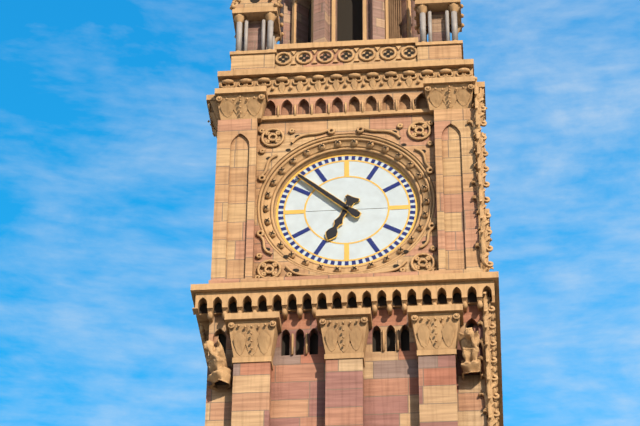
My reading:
**6:52**
